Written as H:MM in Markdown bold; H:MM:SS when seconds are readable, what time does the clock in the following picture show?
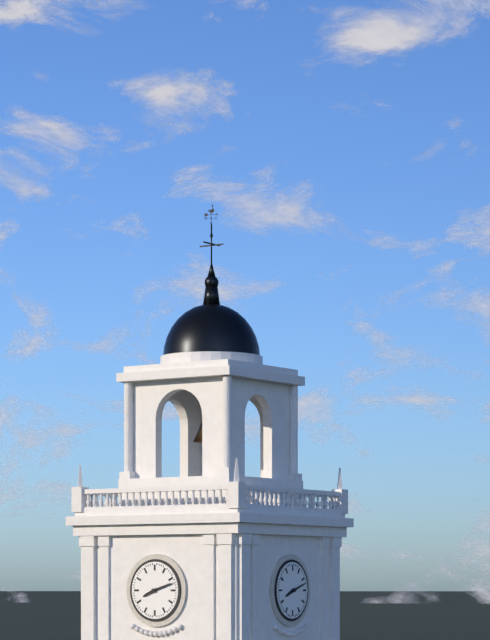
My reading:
**8:12**
